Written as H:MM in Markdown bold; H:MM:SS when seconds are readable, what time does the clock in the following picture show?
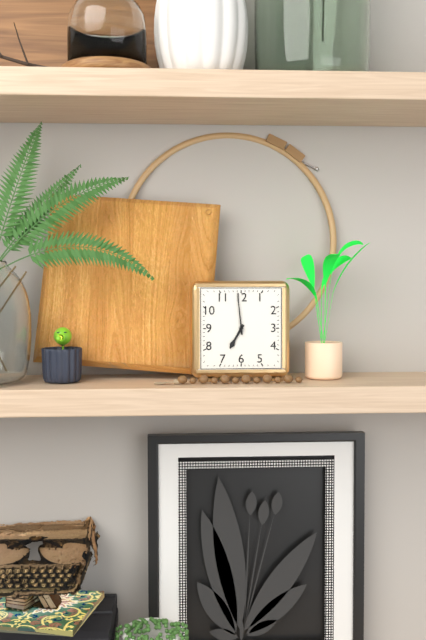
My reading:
**6:59**
